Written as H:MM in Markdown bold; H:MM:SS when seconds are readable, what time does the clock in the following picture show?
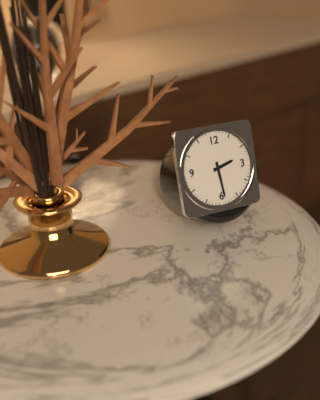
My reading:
**2:29**
